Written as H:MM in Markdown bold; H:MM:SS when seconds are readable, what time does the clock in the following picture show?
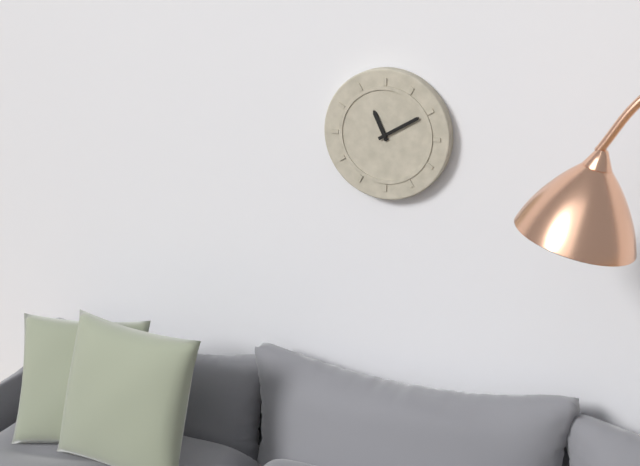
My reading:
**11:10**
